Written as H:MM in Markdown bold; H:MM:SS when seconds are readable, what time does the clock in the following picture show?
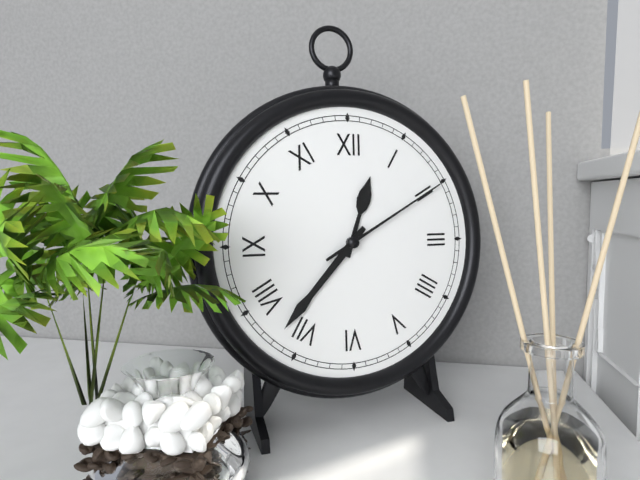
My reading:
**12:37:10**
